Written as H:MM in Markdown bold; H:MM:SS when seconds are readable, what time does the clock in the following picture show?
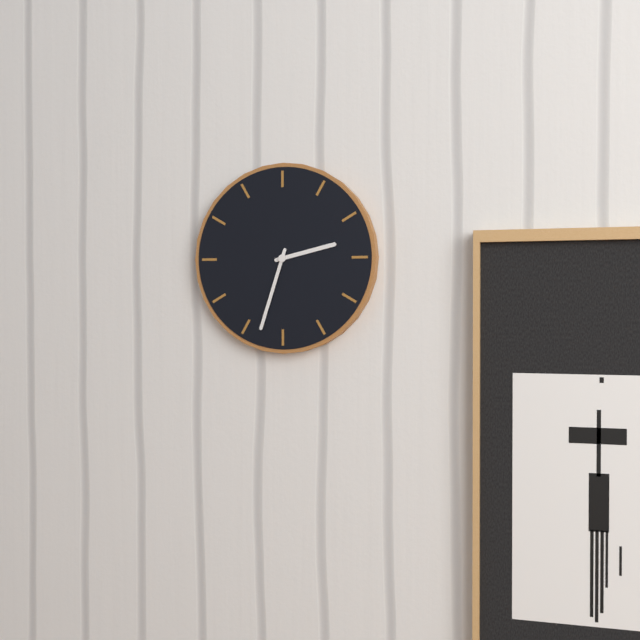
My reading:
**2:33**
